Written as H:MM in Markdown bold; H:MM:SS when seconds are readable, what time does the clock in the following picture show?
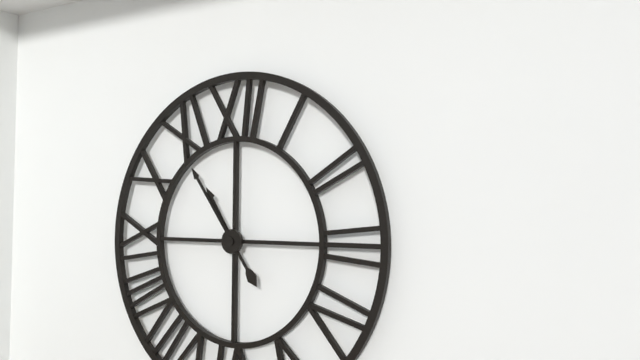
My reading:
**10:54**
